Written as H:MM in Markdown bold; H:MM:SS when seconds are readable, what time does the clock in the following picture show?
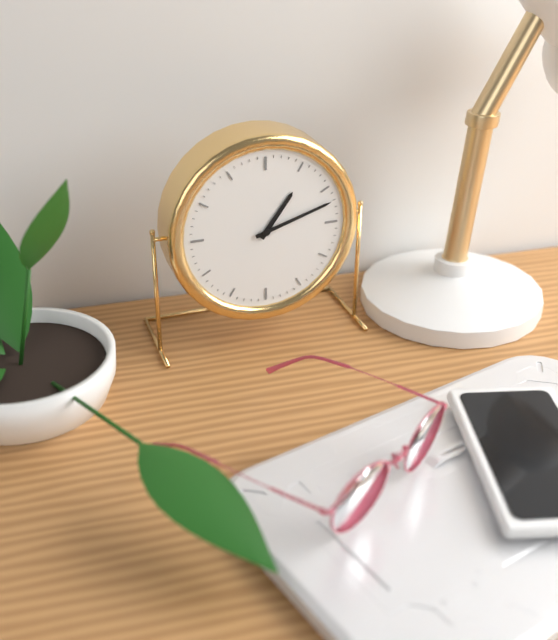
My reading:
**1:12**
